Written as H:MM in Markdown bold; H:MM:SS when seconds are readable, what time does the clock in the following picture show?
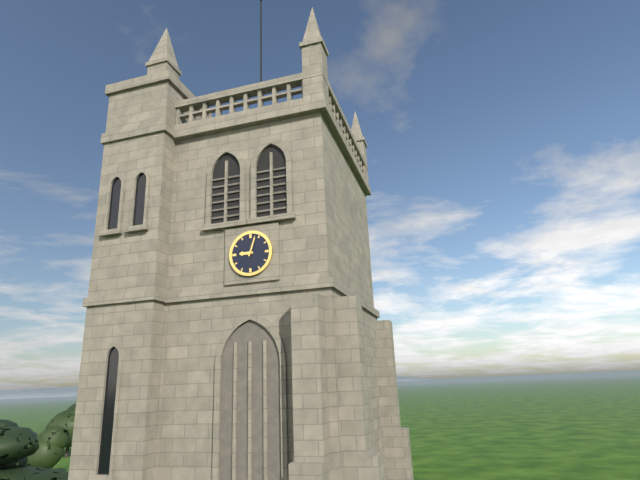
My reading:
**9:03**
